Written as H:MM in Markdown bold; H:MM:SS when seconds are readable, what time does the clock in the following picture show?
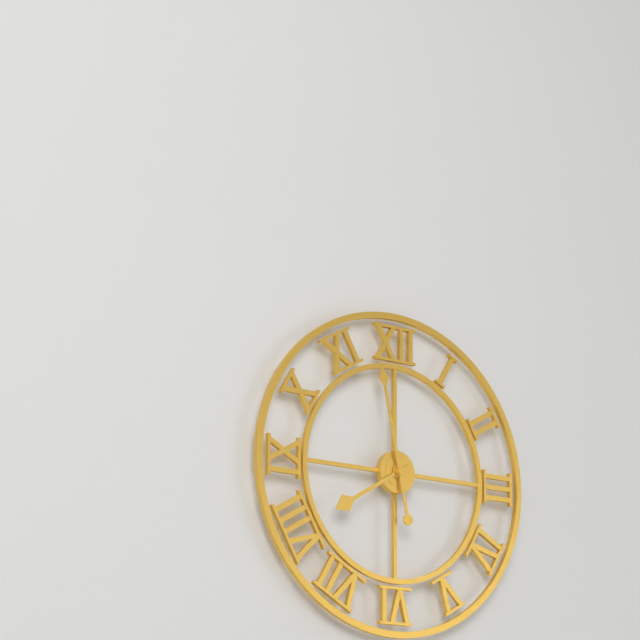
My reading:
**7:58**
